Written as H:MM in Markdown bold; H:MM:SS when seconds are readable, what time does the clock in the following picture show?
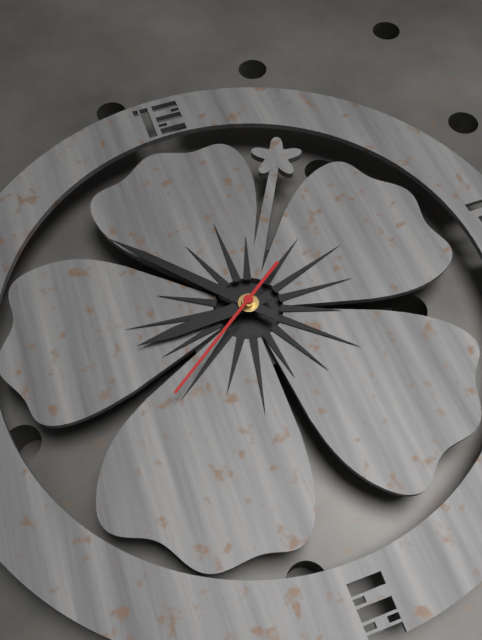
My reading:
**8:53:39**
